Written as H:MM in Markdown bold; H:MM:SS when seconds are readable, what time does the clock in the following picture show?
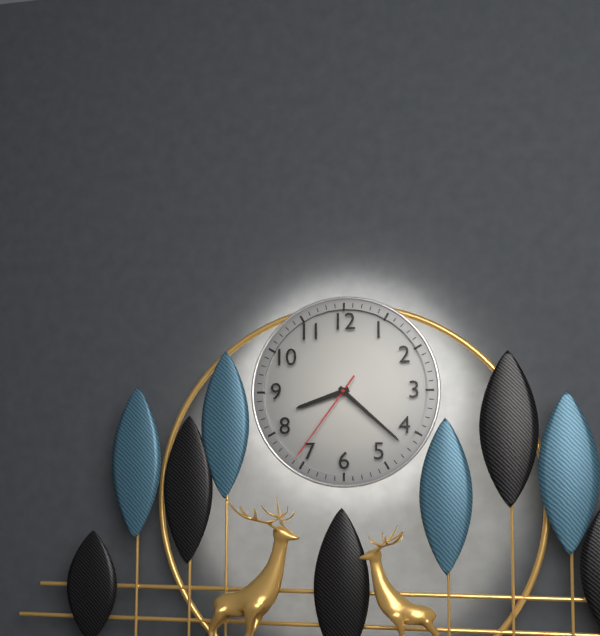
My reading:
**8:22:36**
